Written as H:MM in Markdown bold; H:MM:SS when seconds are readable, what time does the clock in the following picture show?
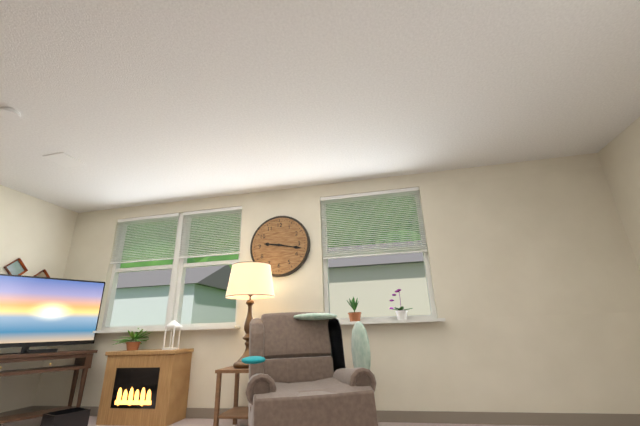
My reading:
**9:17**
